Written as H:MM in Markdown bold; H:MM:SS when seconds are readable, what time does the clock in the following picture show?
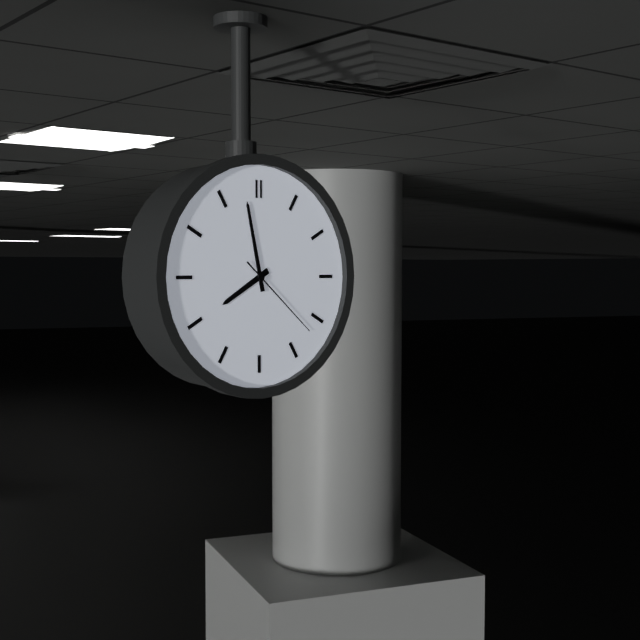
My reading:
**7:58:22**
